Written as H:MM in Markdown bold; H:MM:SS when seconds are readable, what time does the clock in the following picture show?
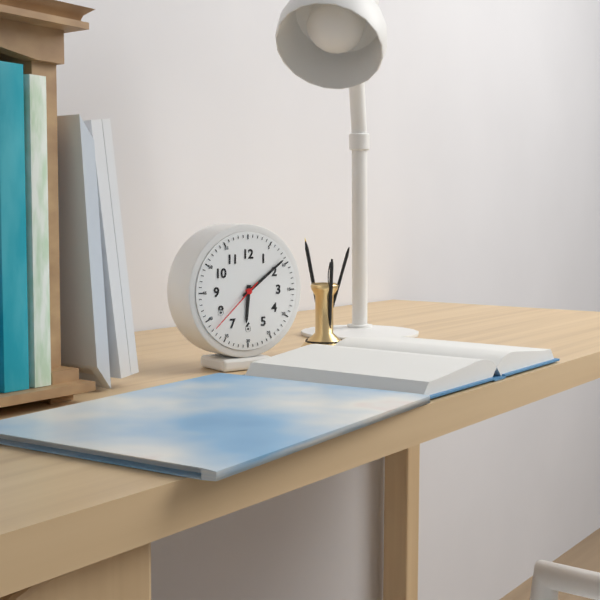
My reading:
**6:09:38**
